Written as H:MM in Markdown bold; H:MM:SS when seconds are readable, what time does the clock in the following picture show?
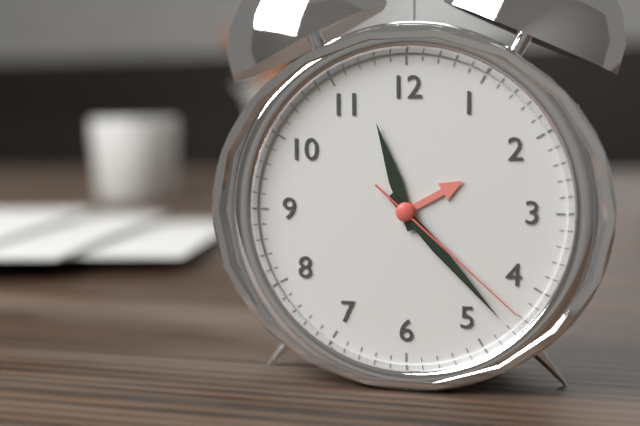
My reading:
**11:23:22**
